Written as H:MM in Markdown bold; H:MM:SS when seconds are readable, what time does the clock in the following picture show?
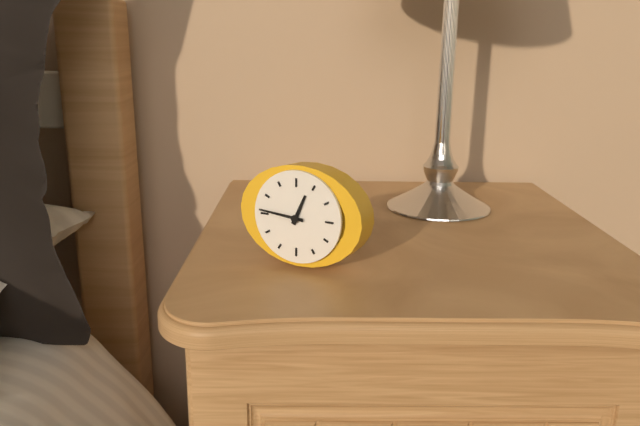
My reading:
**12:46**
